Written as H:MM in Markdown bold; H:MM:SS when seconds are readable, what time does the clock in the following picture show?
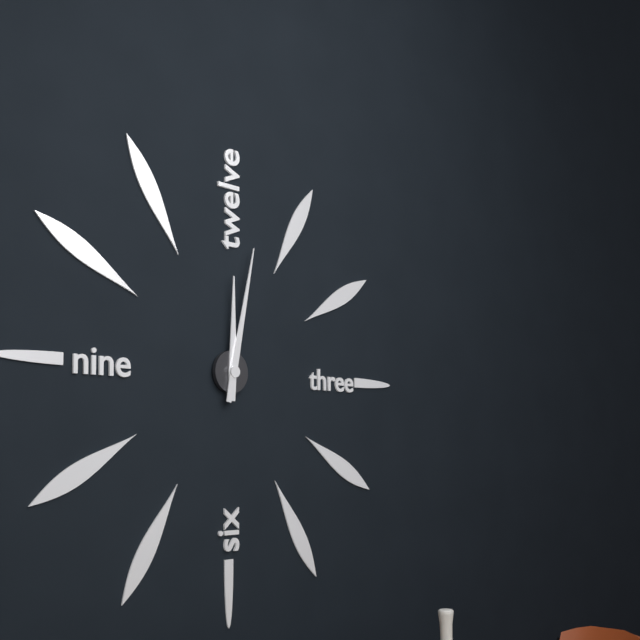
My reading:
**12:02**
